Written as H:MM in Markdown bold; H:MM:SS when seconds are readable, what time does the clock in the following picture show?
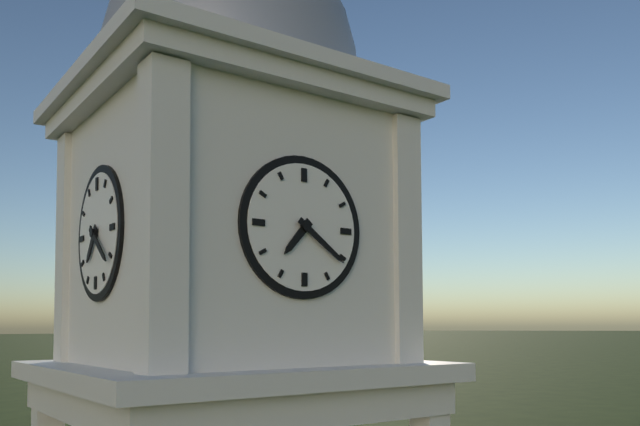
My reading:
**7:21**
